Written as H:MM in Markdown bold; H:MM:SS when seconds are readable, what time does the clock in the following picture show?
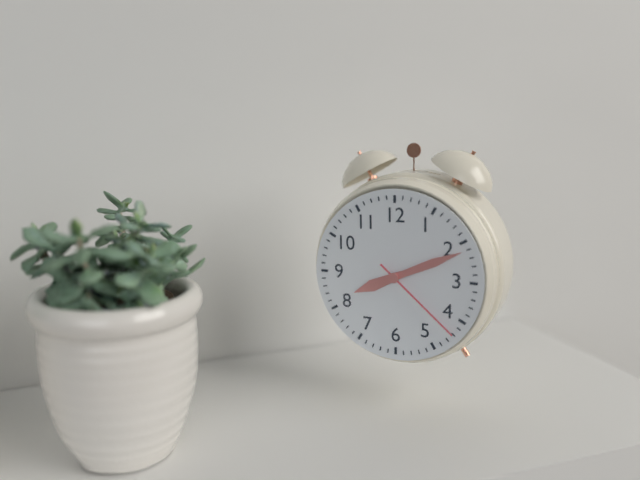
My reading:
**8:11:22**
